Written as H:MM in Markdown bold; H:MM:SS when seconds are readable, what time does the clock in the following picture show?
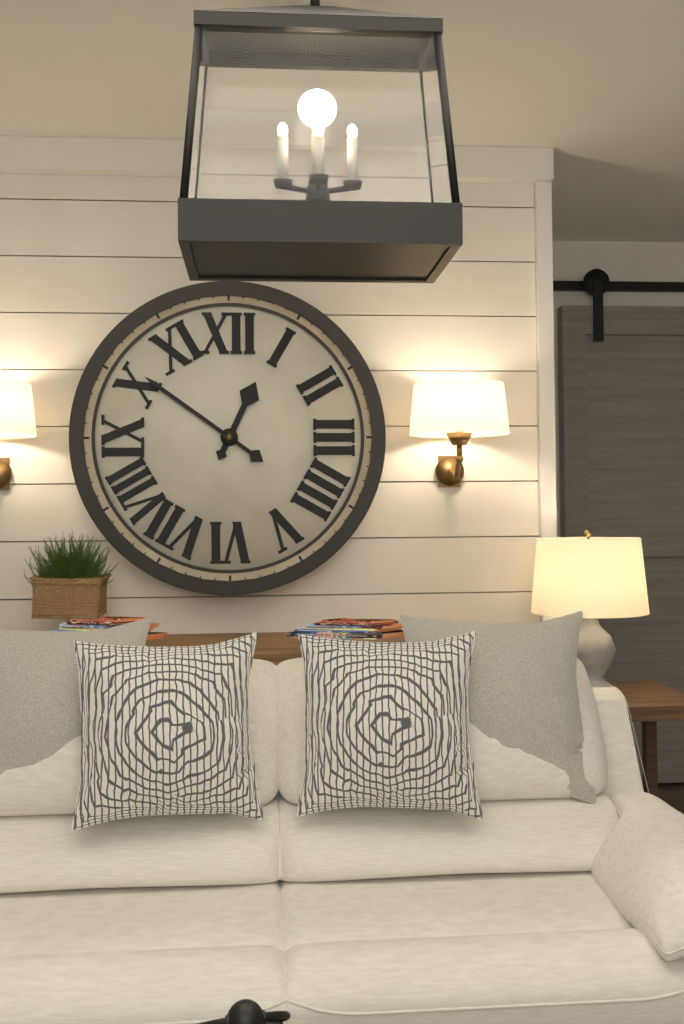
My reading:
**12:51**
